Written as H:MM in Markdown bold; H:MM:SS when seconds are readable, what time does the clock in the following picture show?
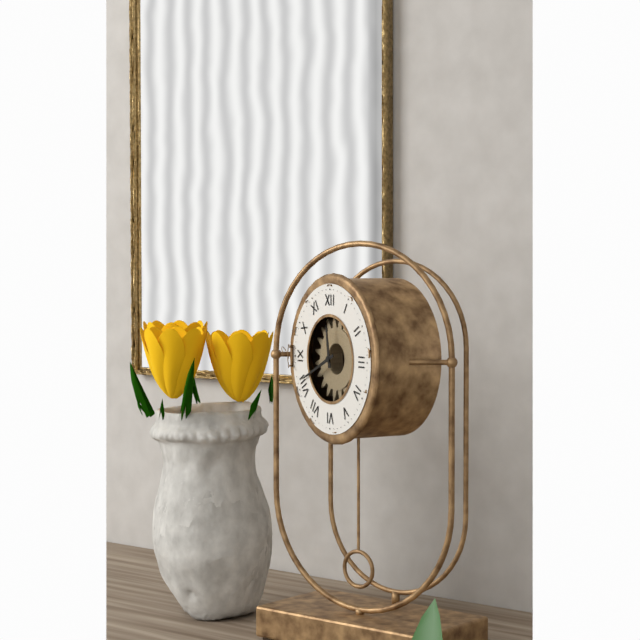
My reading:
**11:41**
